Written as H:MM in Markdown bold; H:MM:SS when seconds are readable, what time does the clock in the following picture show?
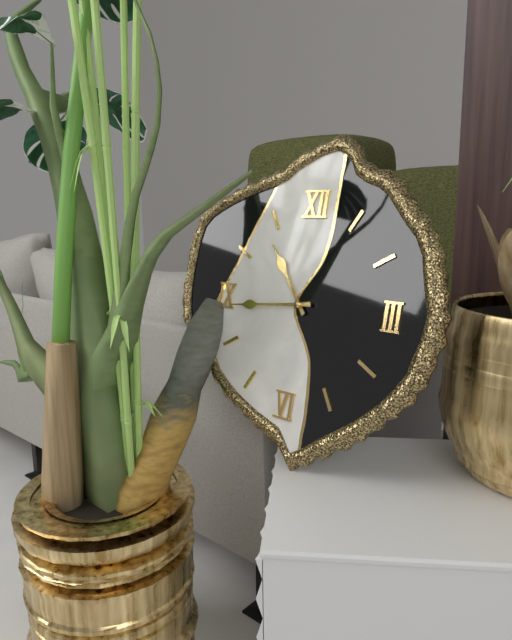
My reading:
**10:44**
